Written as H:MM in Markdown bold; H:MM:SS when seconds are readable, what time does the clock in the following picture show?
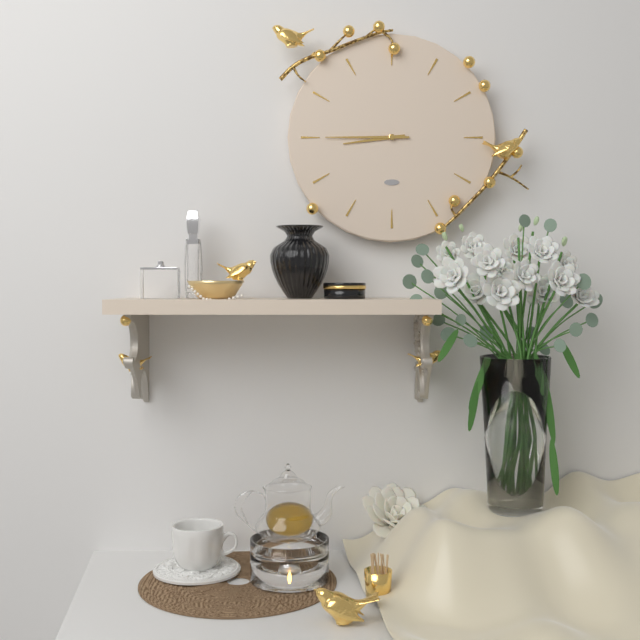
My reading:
**8:45**
